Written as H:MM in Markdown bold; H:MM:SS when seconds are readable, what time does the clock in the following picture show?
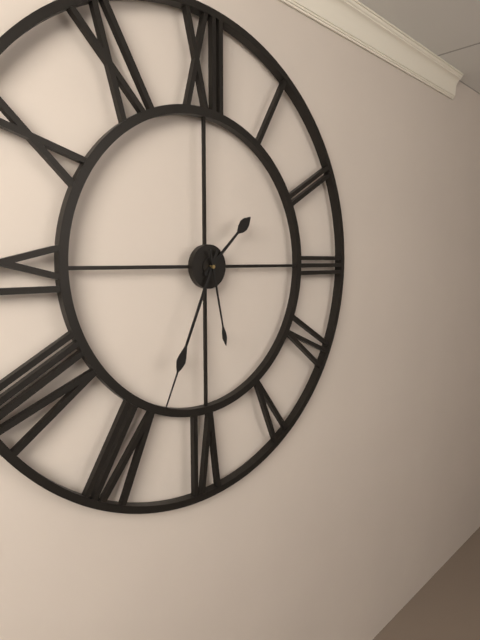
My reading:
**1:34:28**
